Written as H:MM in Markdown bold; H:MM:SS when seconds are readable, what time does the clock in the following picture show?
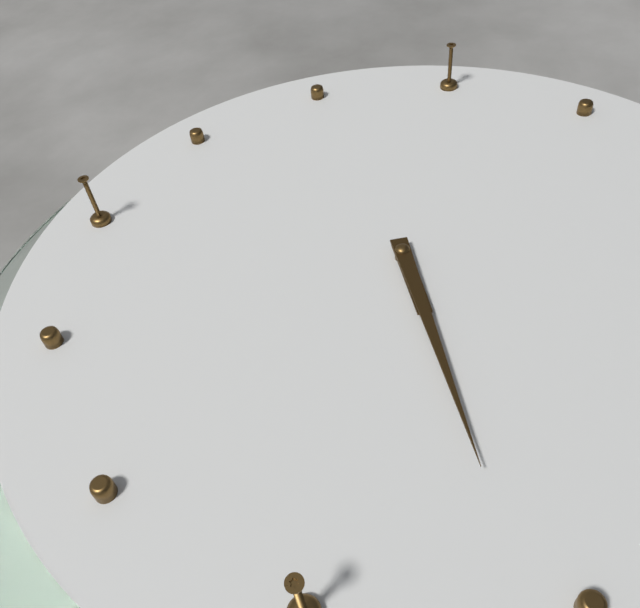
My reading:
**2:11**
